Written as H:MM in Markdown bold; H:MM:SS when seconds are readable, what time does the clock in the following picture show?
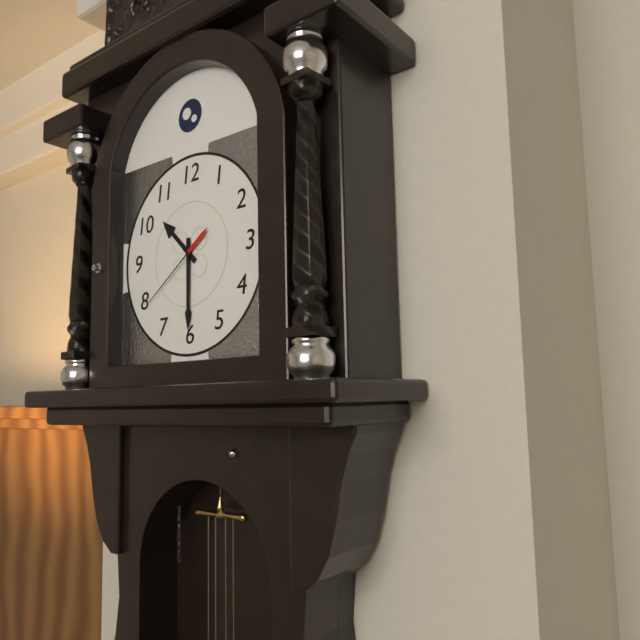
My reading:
**10:30:39**
